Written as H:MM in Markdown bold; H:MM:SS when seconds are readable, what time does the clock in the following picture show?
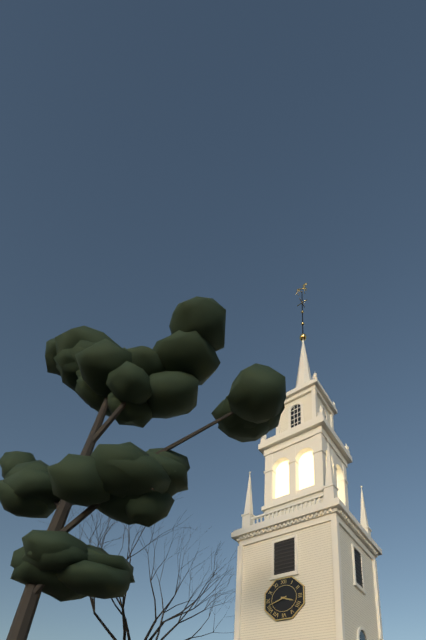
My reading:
**3:42**
